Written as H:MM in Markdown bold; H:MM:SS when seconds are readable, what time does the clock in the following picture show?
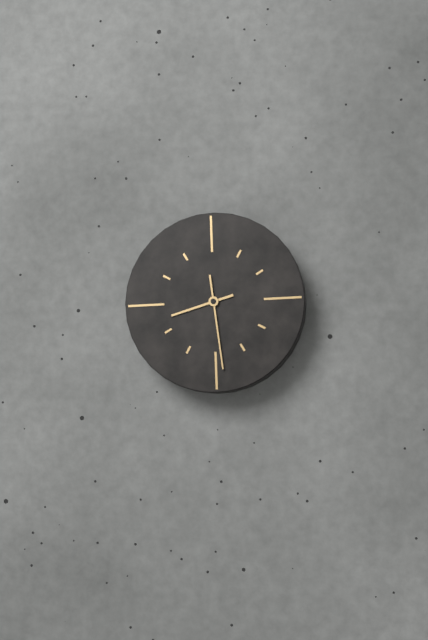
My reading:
**8:29**
